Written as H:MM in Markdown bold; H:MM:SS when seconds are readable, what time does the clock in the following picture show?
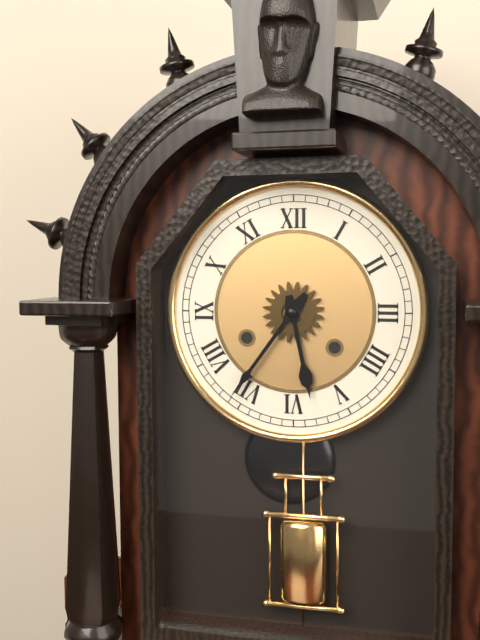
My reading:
**5:36**
